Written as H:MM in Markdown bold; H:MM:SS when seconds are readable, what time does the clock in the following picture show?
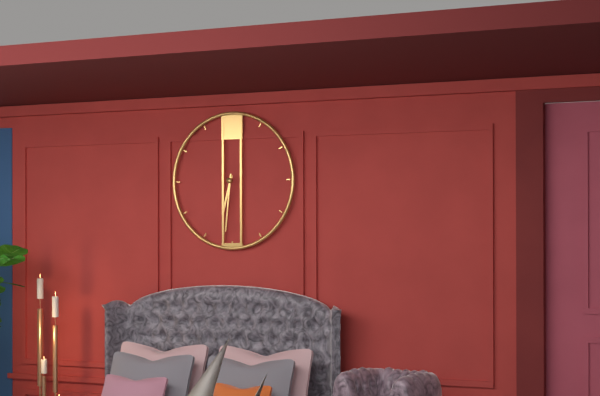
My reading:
**6:31**
